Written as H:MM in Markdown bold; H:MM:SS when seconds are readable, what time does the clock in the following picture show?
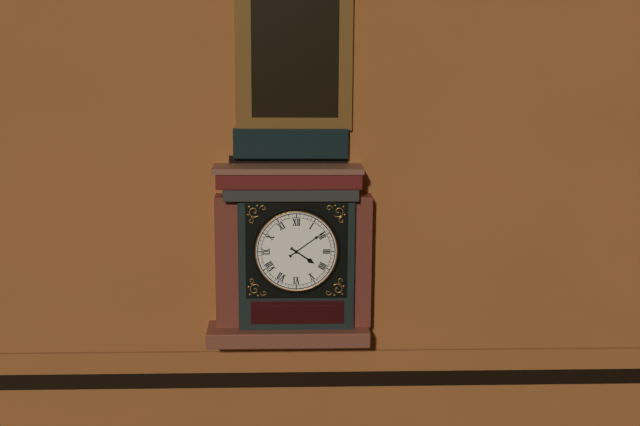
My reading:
**4:09**
